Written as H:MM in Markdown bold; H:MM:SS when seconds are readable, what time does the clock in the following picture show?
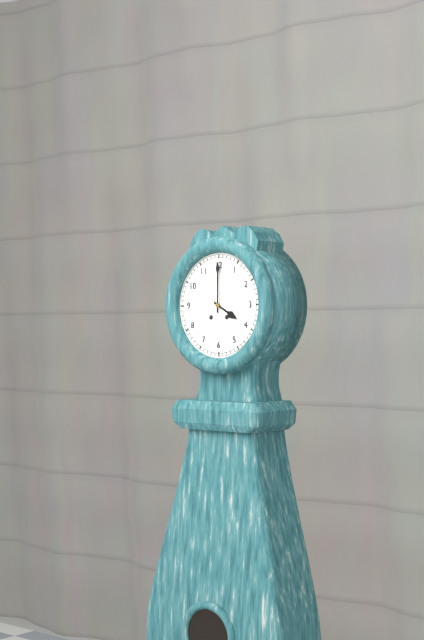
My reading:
**4:00**
